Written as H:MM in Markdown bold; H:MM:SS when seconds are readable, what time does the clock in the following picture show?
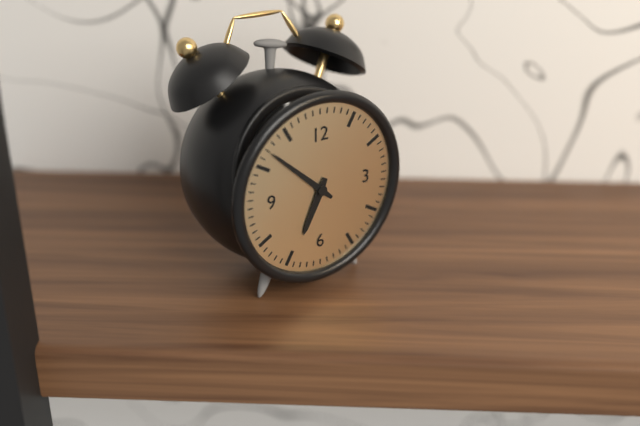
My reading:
**6:52**
